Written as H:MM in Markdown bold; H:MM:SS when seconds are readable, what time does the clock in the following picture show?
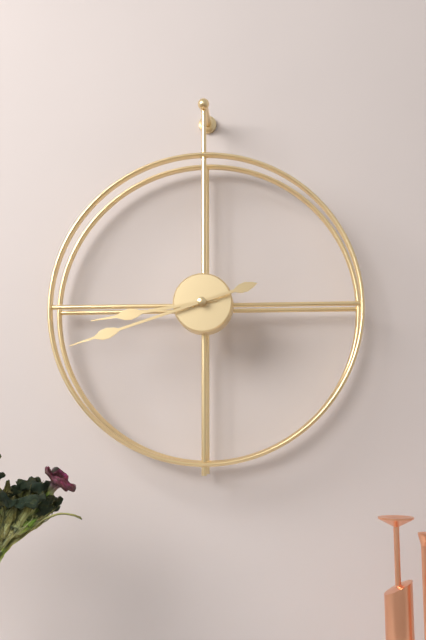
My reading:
**8:42**
